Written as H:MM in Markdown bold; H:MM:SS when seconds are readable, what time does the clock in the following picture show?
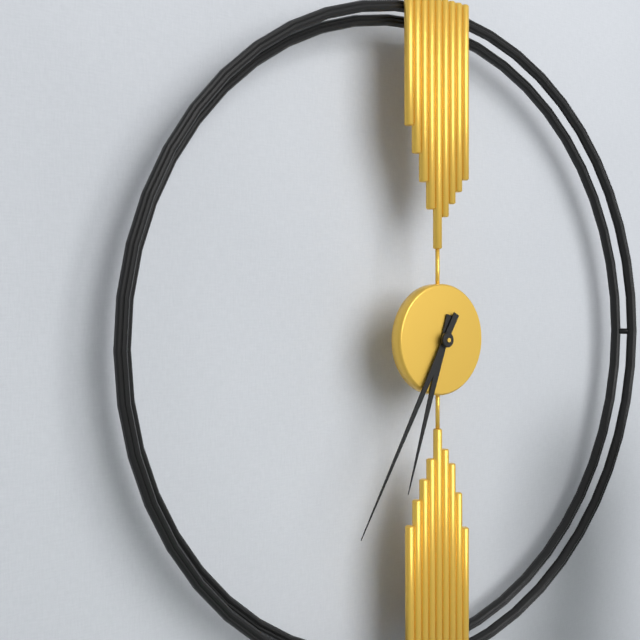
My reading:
**6:35**
